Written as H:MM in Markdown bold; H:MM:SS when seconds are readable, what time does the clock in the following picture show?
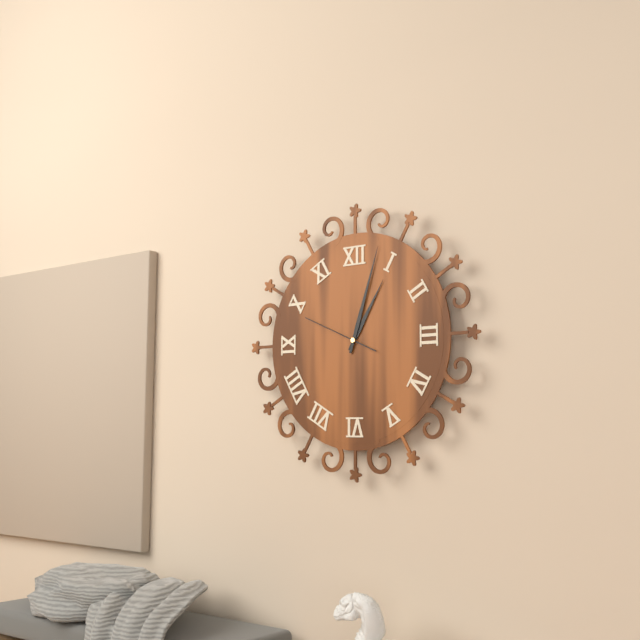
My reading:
**1:03:49**
